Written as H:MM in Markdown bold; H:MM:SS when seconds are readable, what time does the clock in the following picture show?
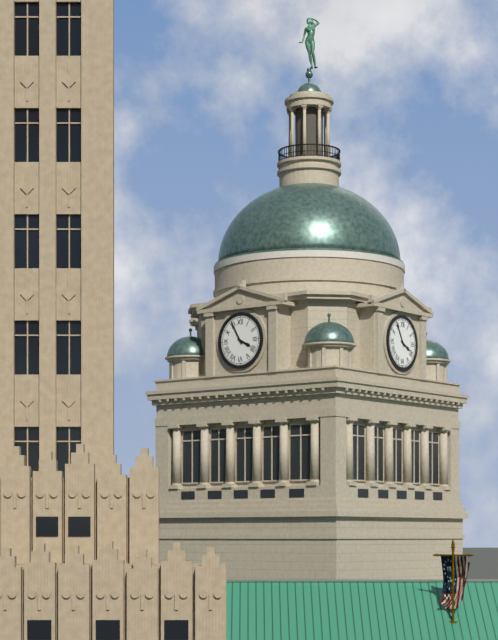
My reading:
**3:55**
